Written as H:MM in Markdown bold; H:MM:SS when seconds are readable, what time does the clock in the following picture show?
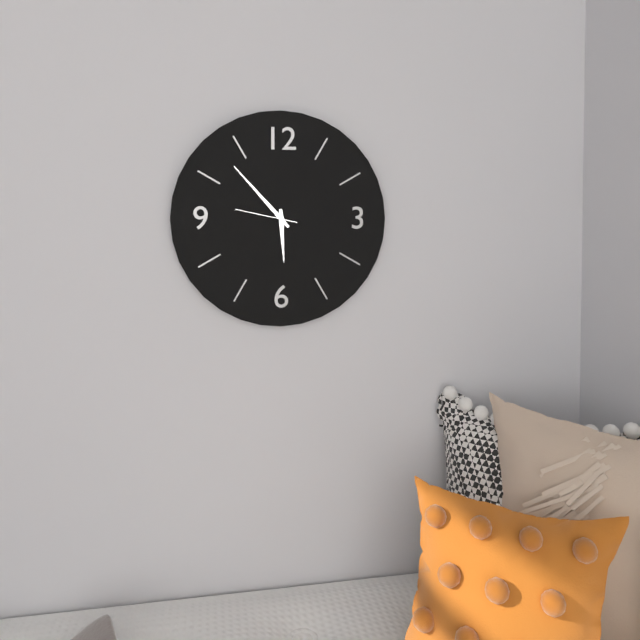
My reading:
**5:53:47**
